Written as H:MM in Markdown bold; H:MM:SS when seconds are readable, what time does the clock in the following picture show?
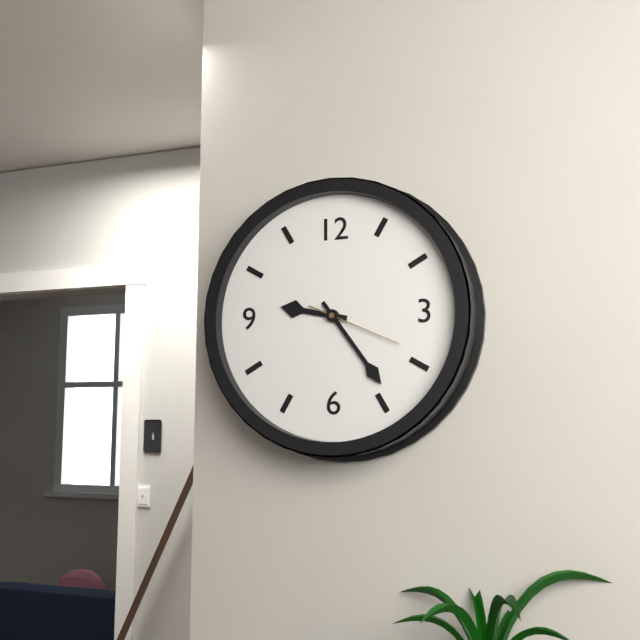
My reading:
**9:24:19**
